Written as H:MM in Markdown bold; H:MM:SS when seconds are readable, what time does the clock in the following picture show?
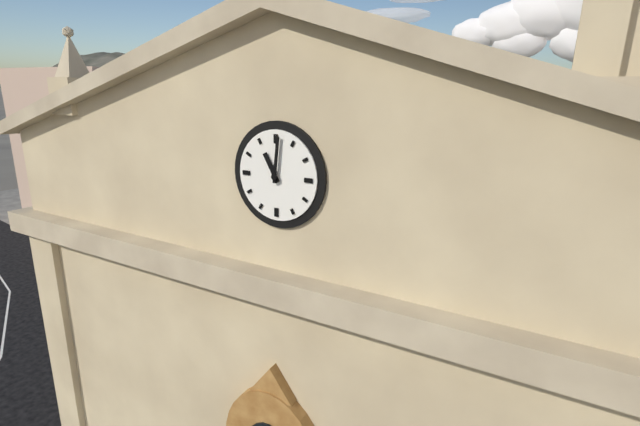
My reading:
**11:01**
